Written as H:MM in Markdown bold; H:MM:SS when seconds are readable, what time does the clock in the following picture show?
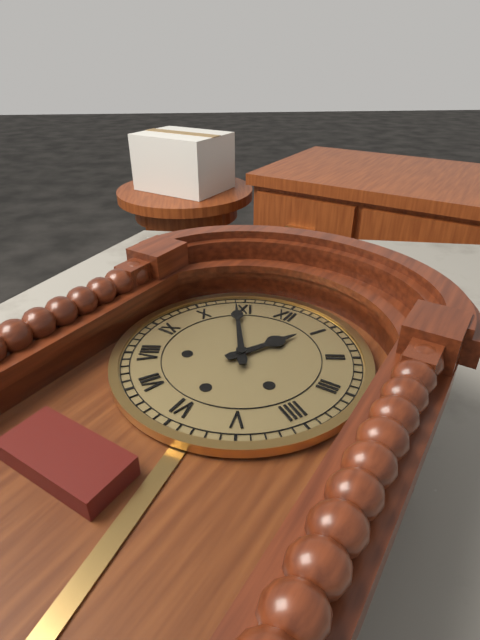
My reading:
**12:54**
